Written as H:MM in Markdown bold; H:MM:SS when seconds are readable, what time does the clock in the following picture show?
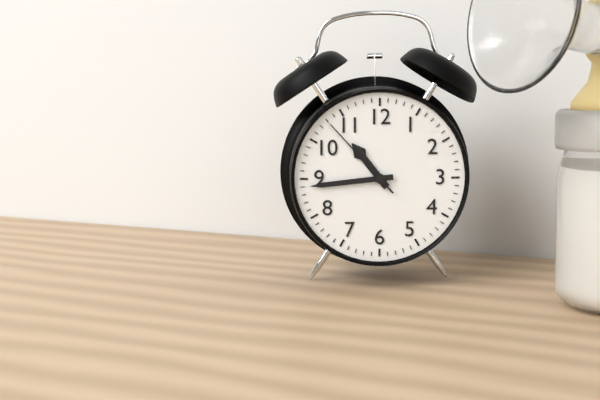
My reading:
**10:44:53**
